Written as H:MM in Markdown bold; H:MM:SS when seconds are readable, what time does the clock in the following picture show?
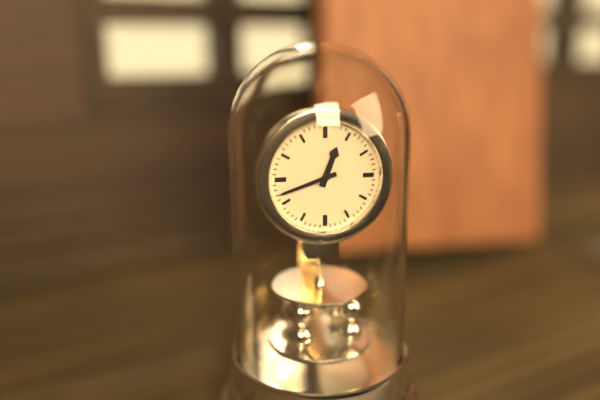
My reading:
**12:42**
